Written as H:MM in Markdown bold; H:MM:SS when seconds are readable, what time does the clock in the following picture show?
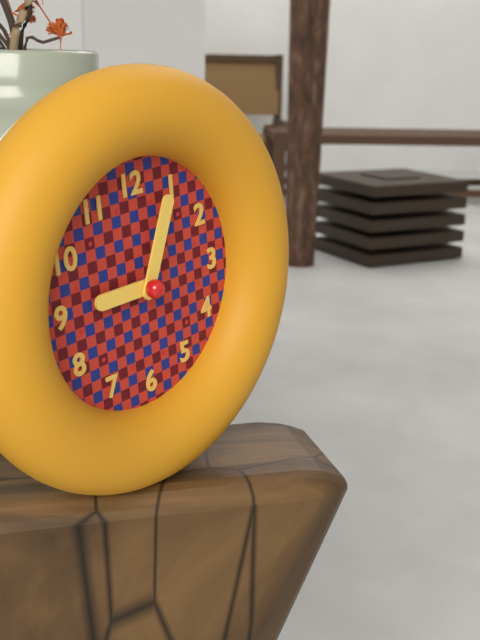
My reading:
**9:04**
